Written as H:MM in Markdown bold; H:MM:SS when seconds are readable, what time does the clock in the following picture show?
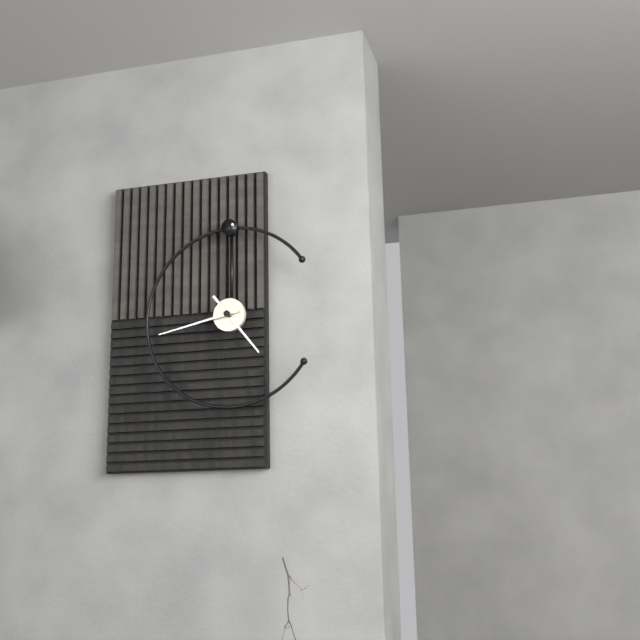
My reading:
**4:43**
